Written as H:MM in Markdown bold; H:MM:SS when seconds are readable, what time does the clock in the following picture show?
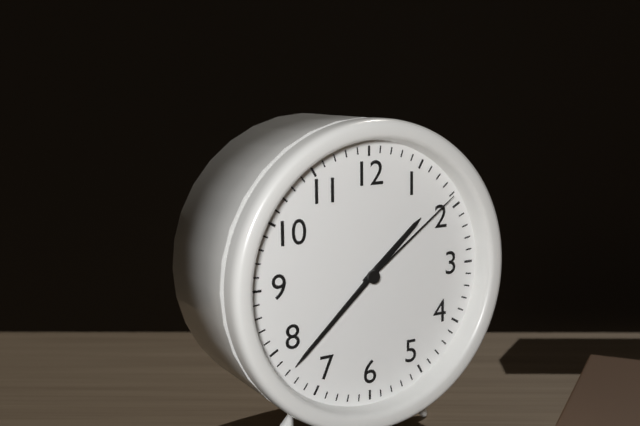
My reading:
**1:38:09**
